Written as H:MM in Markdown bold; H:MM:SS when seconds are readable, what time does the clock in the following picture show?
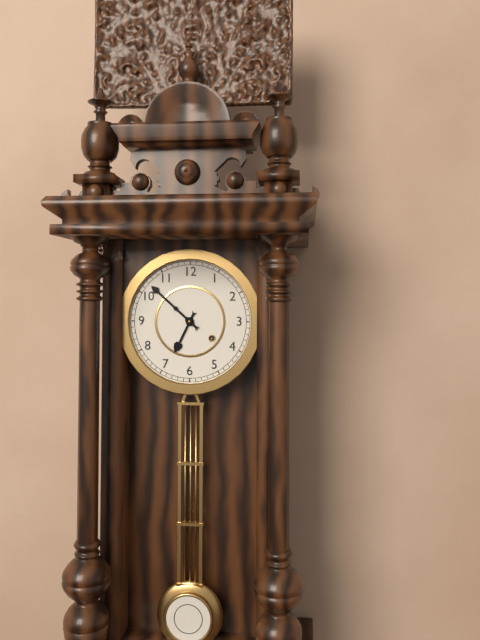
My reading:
**6:52**
